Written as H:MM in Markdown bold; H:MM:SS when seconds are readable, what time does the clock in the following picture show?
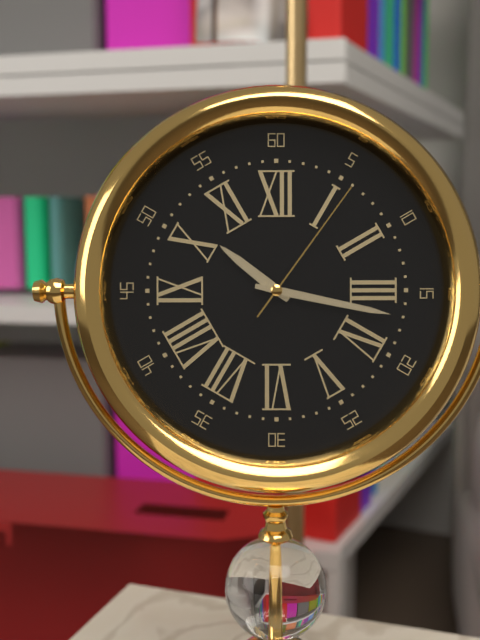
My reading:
**10:17:06**
